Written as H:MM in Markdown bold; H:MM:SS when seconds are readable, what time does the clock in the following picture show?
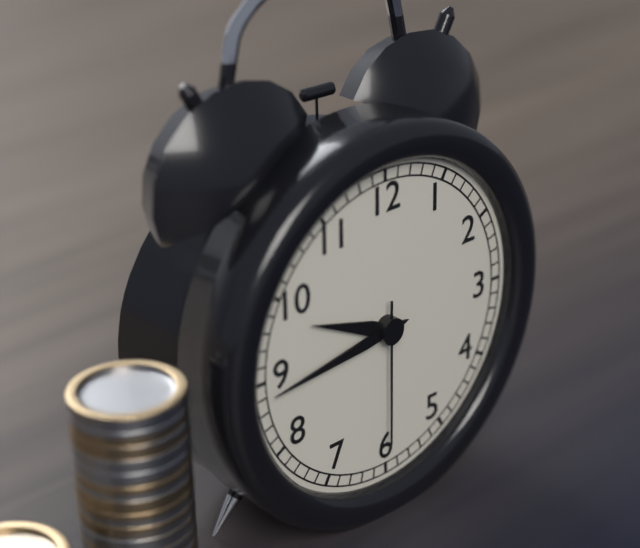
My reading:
**9:44:30**
